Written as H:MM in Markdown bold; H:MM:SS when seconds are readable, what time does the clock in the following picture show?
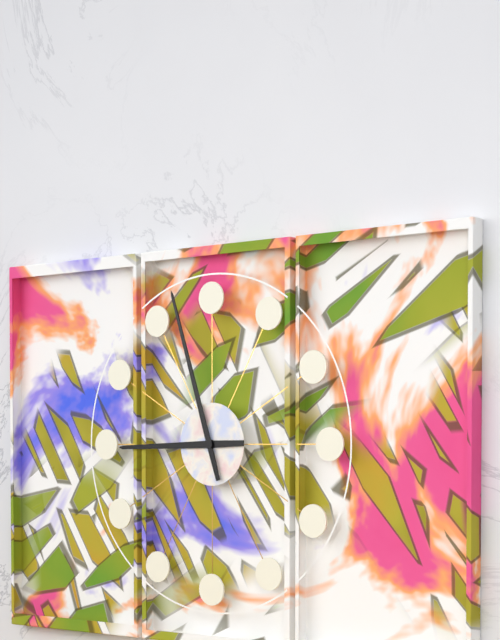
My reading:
**8:57**
